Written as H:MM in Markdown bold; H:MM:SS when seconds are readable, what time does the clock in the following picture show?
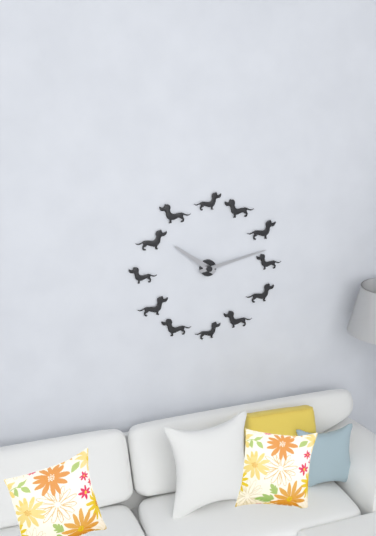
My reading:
**10:13**
